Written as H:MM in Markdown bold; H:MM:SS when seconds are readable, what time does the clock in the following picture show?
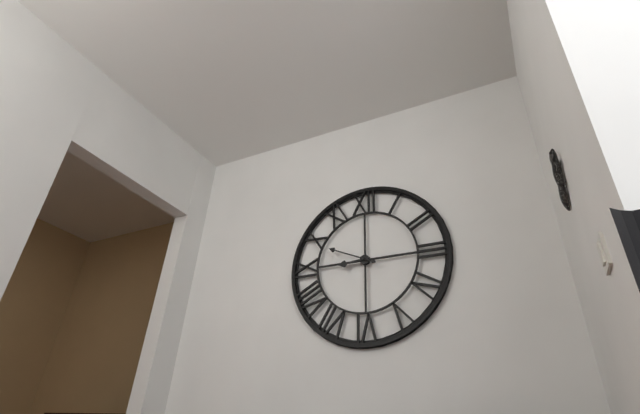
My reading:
**8:49**
